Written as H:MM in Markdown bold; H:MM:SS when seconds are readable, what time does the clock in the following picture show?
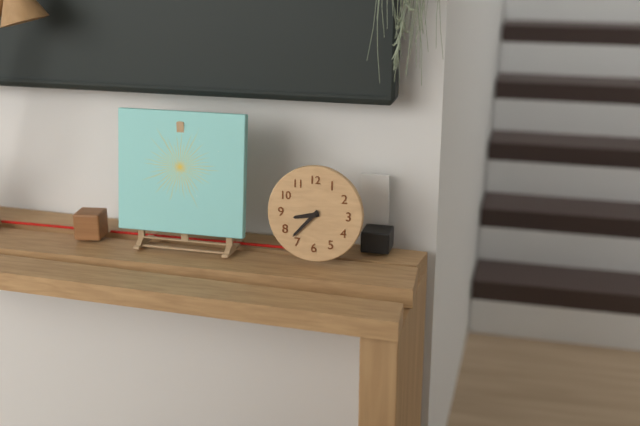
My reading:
**8:37**
